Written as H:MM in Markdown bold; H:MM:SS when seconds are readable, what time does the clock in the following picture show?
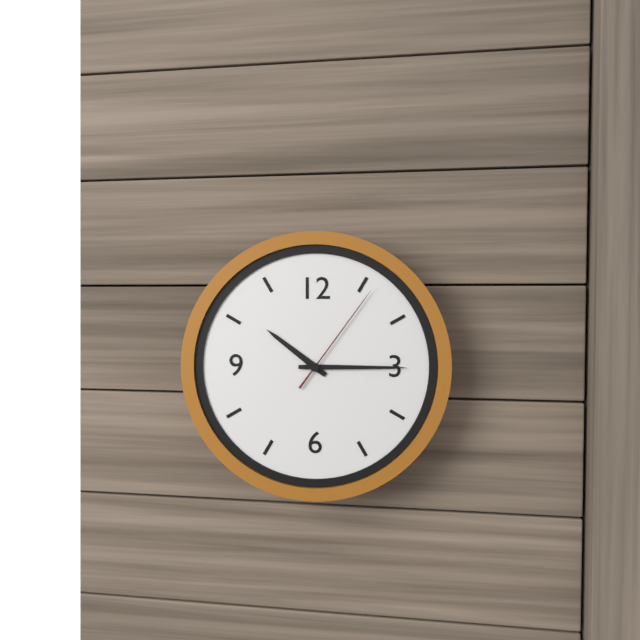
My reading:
**10:15:06**
